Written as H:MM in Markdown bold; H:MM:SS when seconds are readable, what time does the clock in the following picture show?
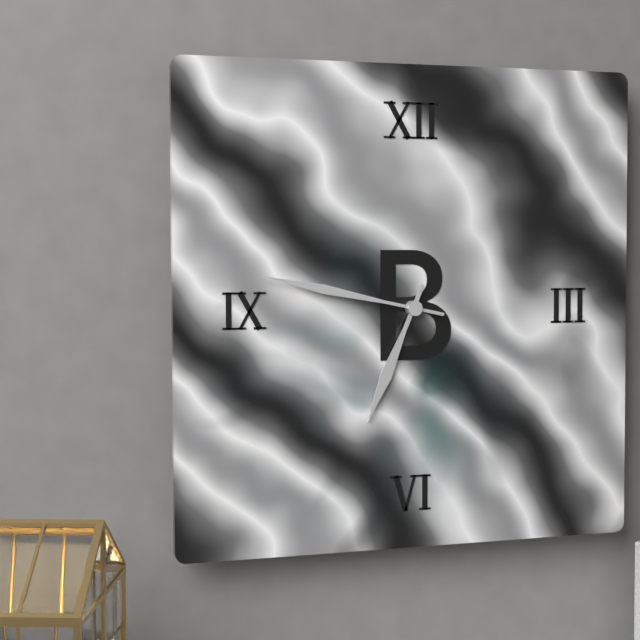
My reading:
**6:47**
